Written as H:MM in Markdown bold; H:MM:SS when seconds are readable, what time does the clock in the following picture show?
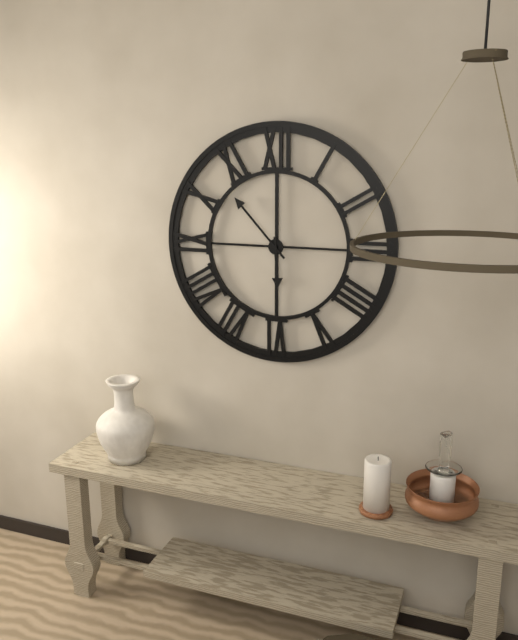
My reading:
**5:53**
